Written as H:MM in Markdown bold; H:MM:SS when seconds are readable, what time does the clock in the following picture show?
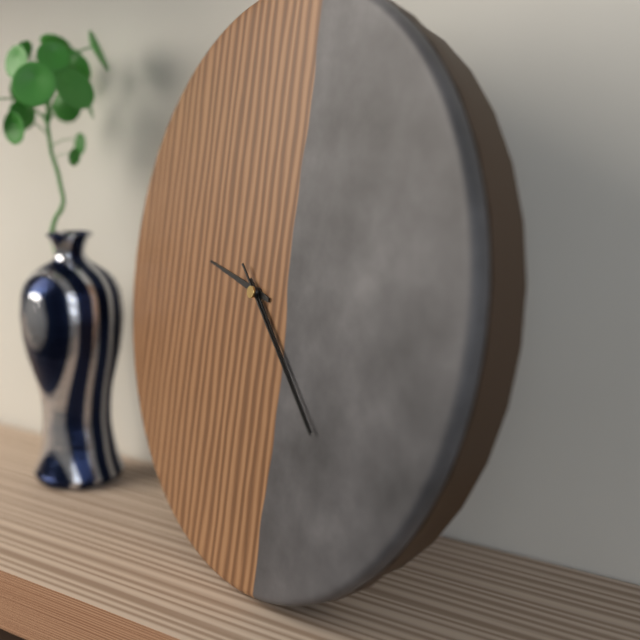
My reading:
**9:22:22**
